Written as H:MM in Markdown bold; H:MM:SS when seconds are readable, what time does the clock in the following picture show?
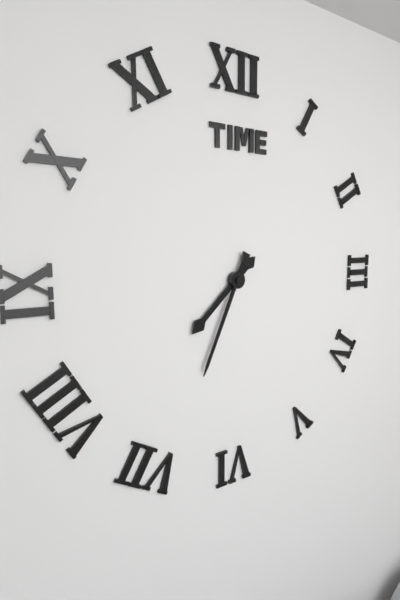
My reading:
**7:34**
